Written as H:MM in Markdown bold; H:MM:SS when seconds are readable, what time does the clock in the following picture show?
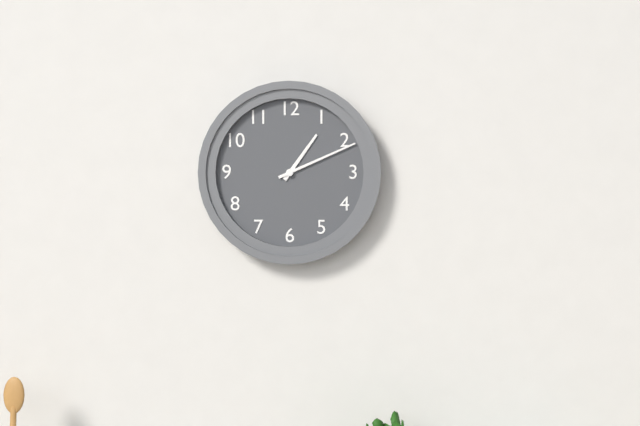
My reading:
**1:11**
